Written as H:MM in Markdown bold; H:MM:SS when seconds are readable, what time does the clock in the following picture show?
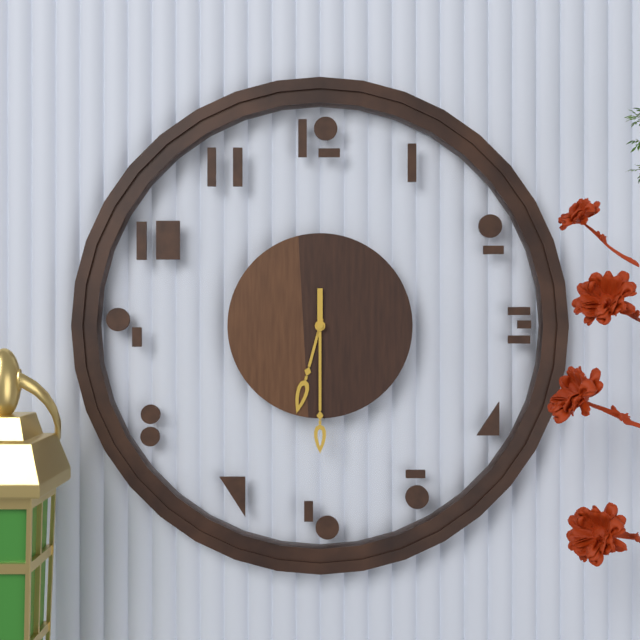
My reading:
**6:30**
